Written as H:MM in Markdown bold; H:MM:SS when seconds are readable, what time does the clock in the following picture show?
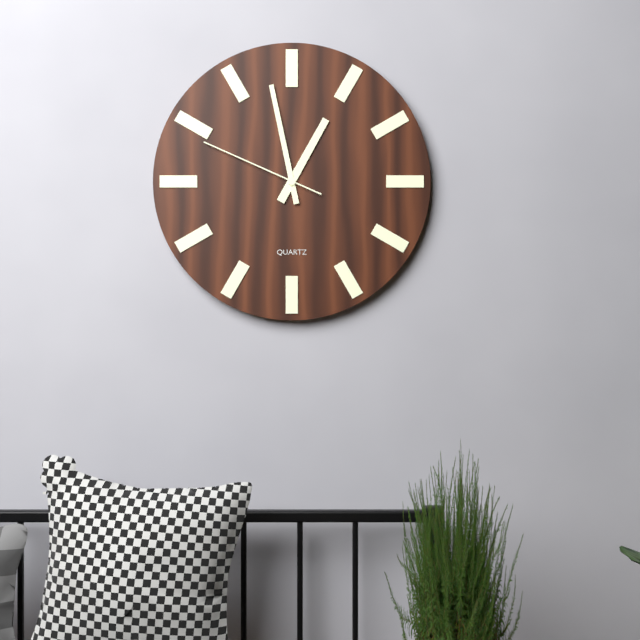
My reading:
**12:58:49**
